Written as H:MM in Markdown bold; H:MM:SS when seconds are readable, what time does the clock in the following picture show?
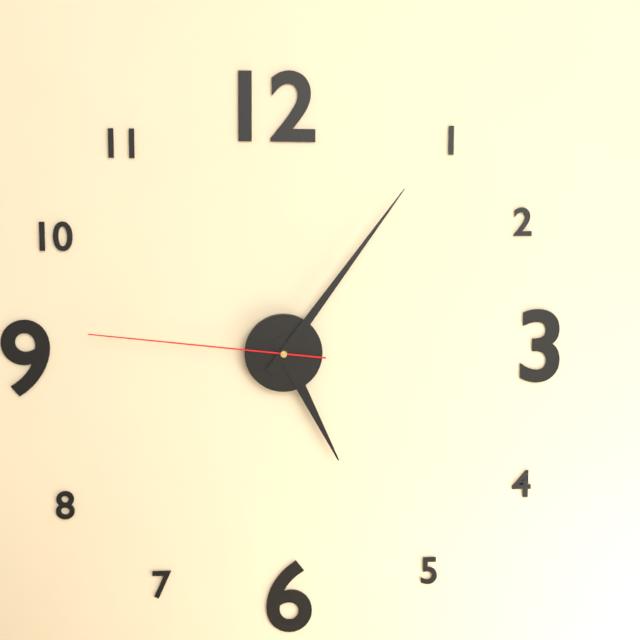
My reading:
**5:06:46**
